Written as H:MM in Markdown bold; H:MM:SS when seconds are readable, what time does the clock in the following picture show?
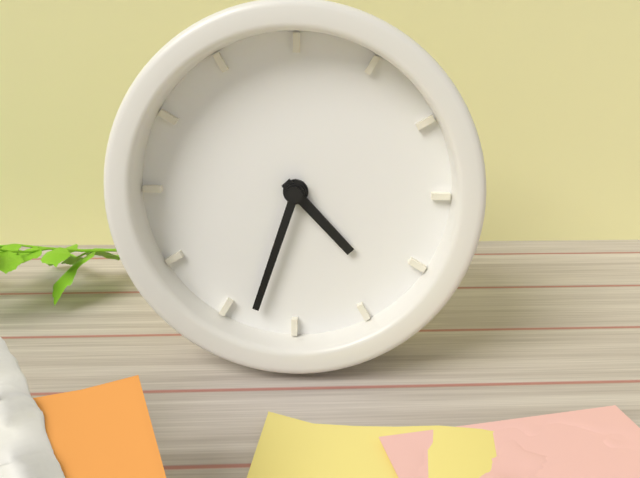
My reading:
**4:33**
